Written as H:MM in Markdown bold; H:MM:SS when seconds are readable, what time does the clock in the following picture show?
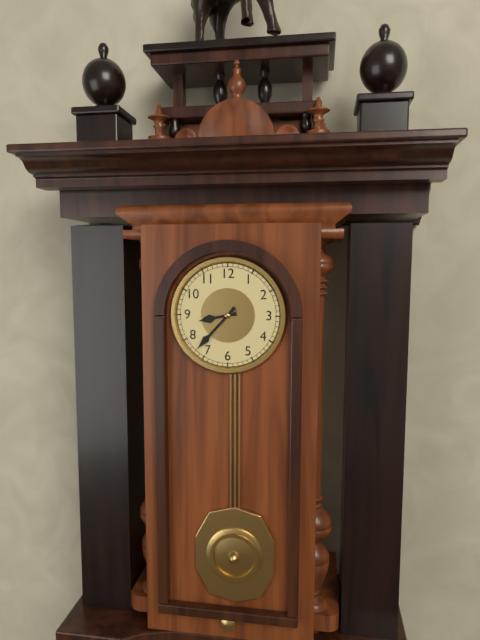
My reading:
**8:37**
